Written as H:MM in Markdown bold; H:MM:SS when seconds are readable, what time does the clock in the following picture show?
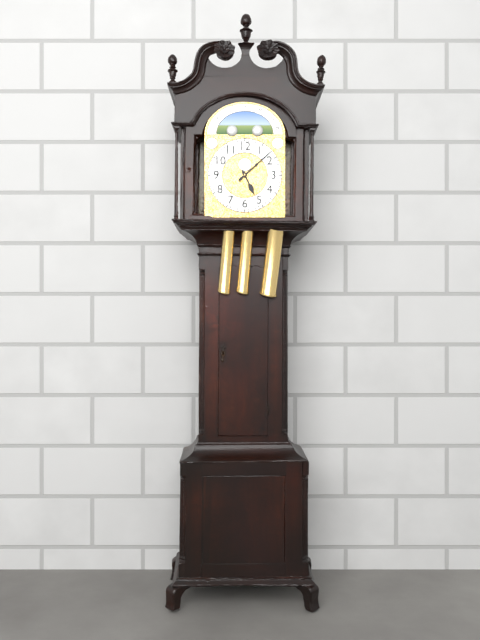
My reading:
**5:08**
